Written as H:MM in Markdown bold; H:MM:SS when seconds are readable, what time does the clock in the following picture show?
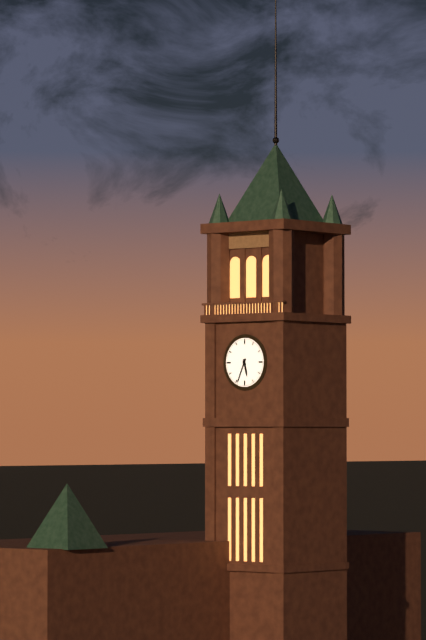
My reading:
**5:34**
